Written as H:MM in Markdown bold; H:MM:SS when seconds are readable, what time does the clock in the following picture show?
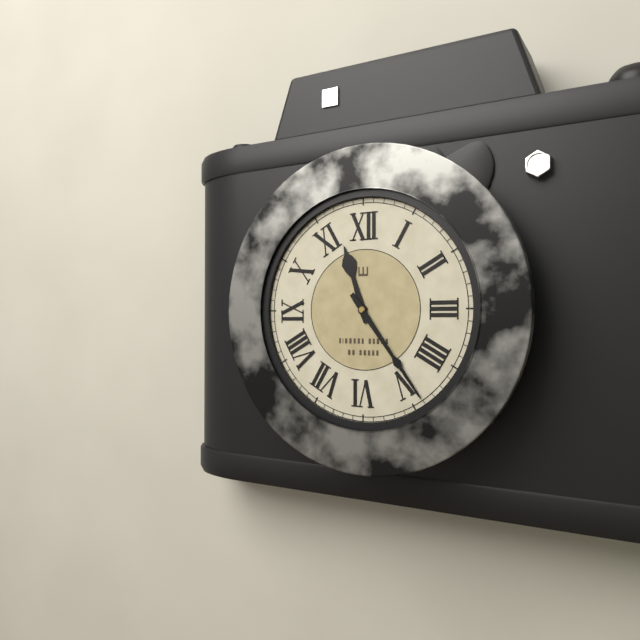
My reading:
**11:24**
